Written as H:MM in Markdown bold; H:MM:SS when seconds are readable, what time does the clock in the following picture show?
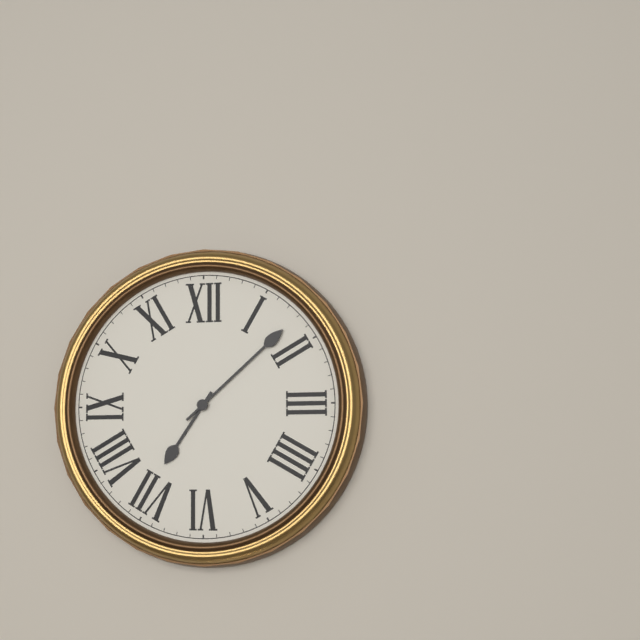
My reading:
**7:08**
